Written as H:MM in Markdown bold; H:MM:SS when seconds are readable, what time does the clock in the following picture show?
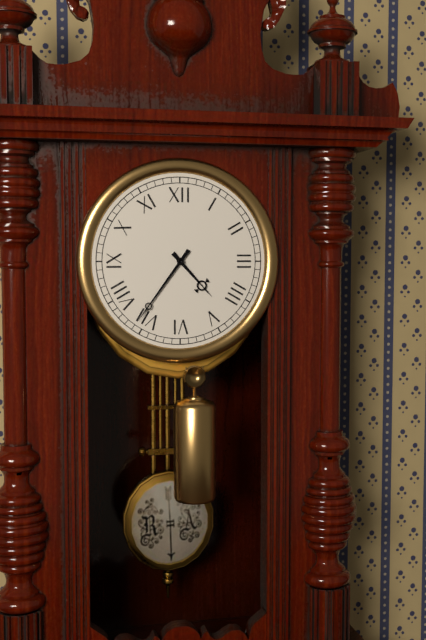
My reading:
**4:36**
